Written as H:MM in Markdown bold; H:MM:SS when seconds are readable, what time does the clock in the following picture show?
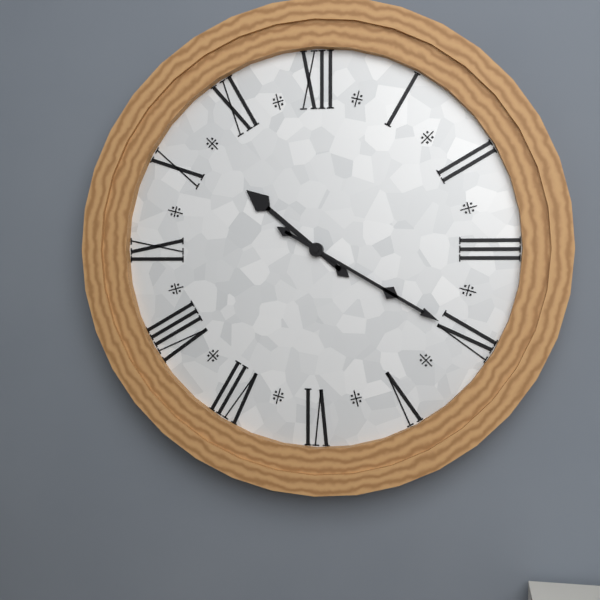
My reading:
**10:20**
